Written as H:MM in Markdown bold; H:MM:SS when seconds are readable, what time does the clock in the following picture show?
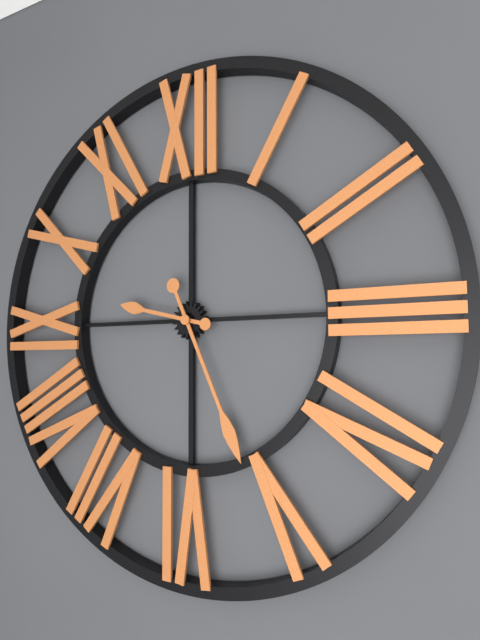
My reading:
**9:26**
